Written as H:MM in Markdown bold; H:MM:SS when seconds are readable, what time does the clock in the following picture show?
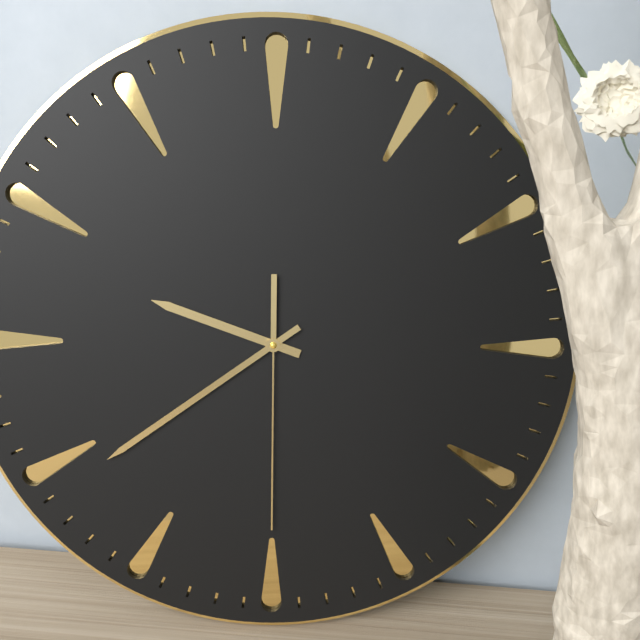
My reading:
**9:39:30**
